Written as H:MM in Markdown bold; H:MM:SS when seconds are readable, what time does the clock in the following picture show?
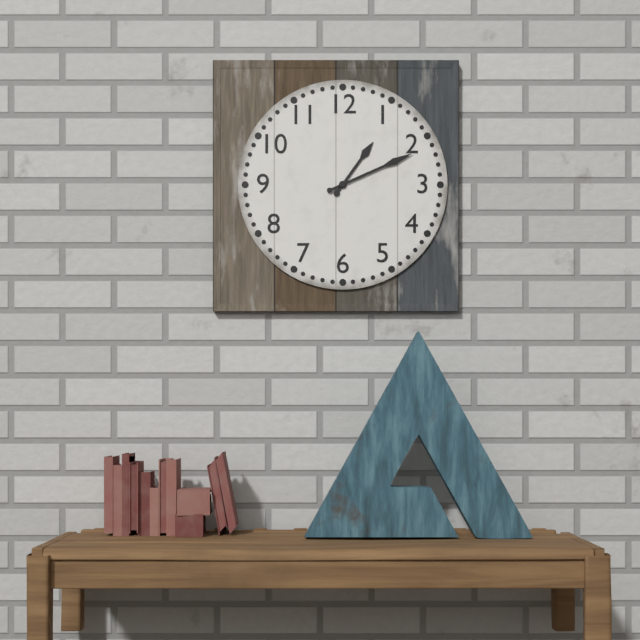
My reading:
**1:11**
